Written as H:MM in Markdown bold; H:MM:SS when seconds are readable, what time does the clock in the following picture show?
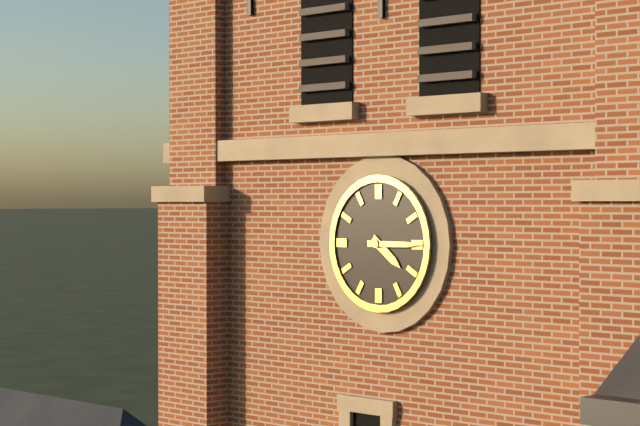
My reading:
**4:15**
